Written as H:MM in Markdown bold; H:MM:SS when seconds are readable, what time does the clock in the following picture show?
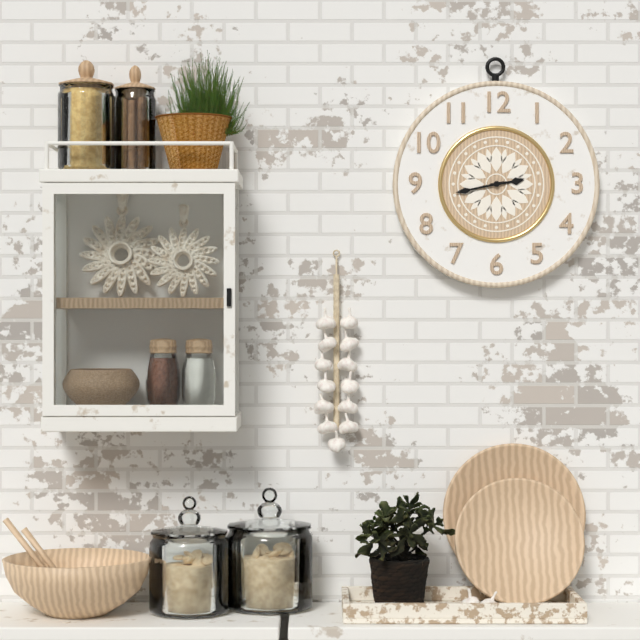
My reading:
**2:43**
